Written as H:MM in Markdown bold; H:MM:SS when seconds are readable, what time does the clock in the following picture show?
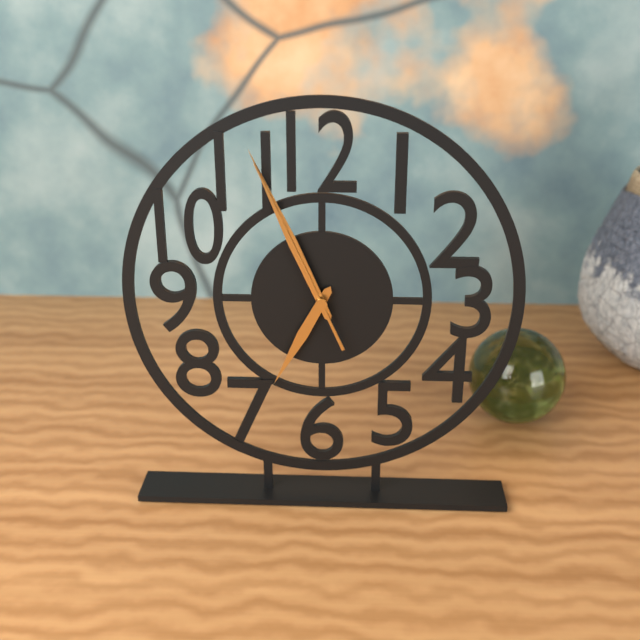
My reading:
**6:56:56**
